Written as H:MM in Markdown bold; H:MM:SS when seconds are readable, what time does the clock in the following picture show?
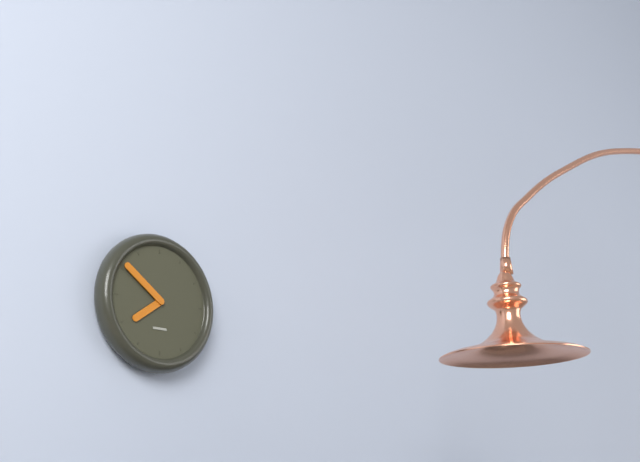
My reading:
**7:51**
